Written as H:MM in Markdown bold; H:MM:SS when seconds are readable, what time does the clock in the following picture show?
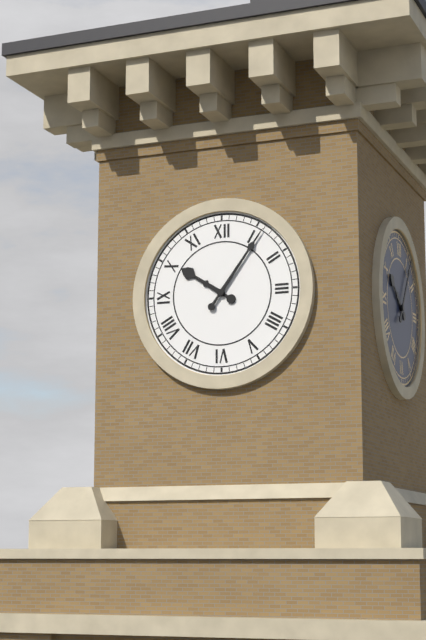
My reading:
**10:06**
